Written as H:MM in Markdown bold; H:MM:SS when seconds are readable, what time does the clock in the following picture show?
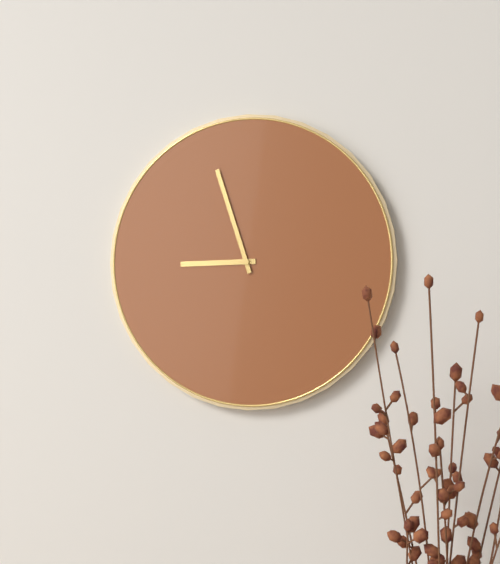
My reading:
**8:57**
